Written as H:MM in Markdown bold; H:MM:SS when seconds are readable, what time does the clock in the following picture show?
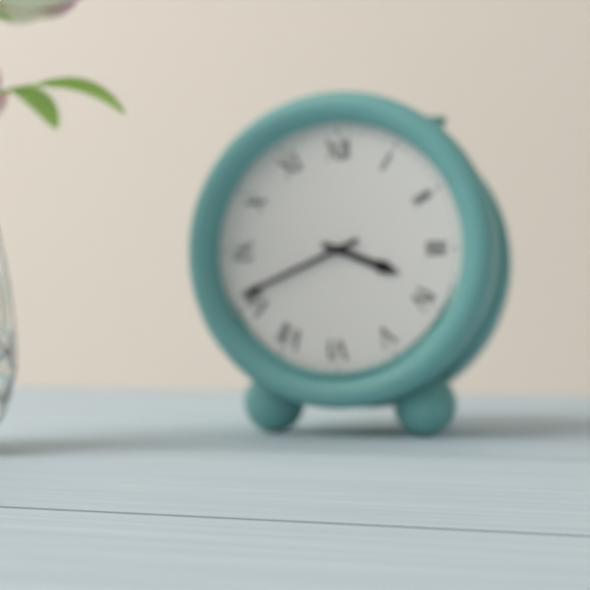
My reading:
**3:41**
